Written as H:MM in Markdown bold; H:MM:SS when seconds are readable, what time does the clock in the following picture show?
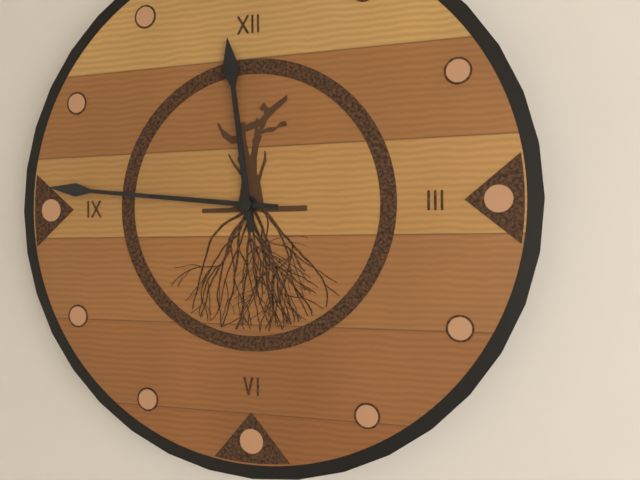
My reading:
**11:46**
